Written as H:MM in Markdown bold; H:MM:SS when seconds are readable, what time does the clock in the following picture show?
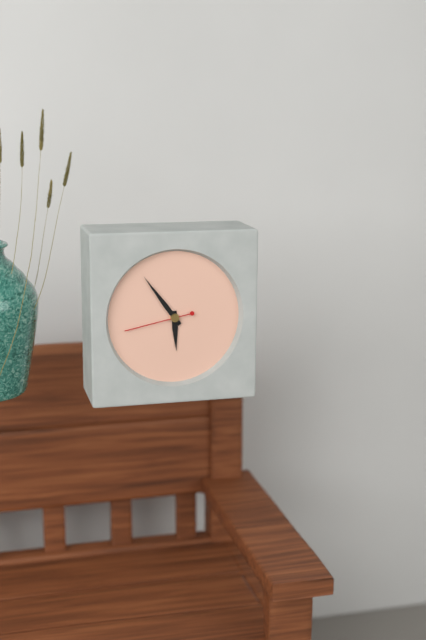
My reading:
**5:54:43**
